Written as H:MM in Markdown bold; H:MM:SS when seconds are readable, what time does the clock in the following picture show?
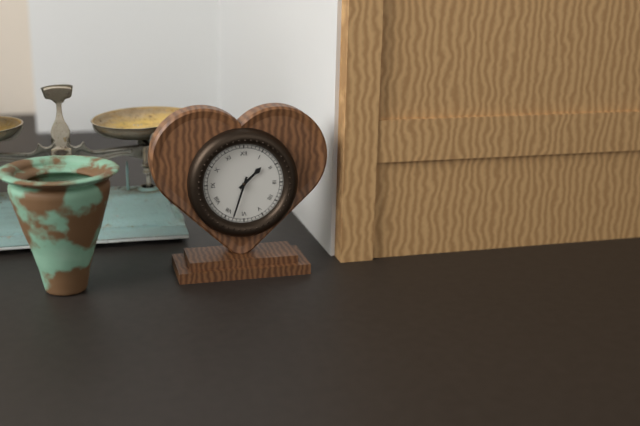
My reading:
**1:33**
